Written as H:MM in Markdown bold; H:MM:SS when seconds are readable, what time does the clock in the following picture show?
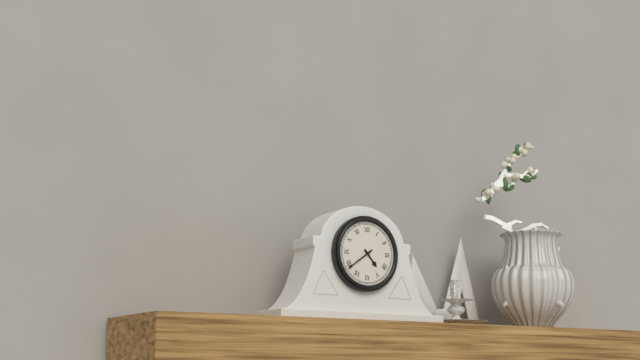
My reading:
**4:39**
